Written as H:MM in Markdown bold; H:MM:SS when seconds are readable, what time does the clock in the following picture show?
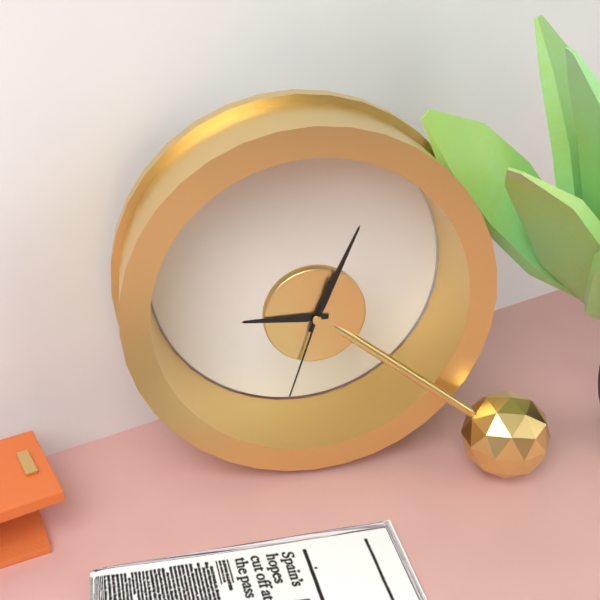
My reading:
**9:04:33**
